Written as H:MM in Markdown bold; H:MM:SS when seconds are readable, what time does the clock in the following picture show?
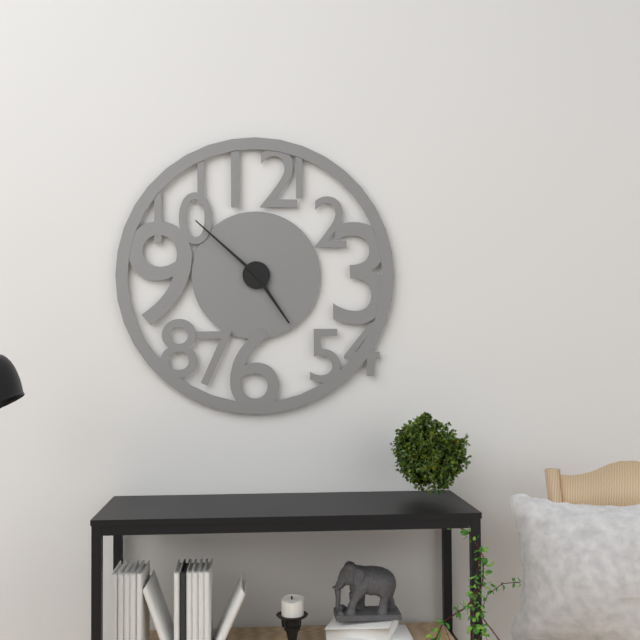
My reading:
**4:52**
